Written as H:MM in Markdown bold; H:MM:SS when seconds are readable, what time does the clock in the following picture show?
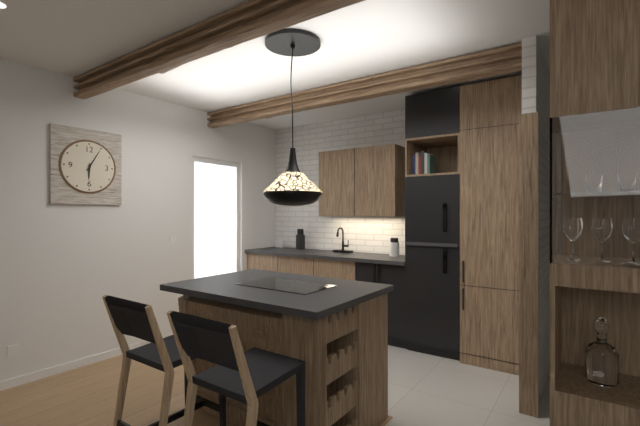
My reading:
**6:05**
